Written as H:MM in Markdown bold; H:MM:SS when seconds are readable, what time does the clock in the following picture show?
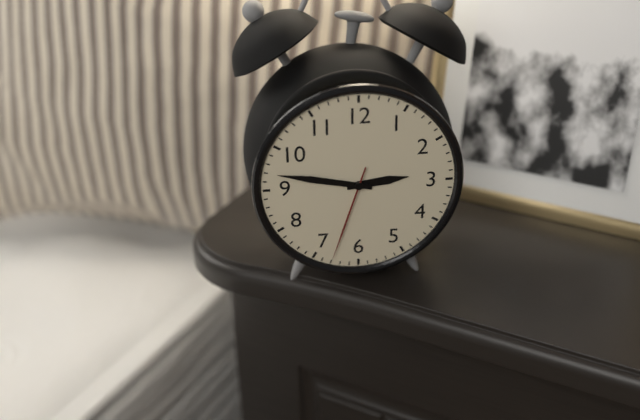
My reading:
**2:47:33**
